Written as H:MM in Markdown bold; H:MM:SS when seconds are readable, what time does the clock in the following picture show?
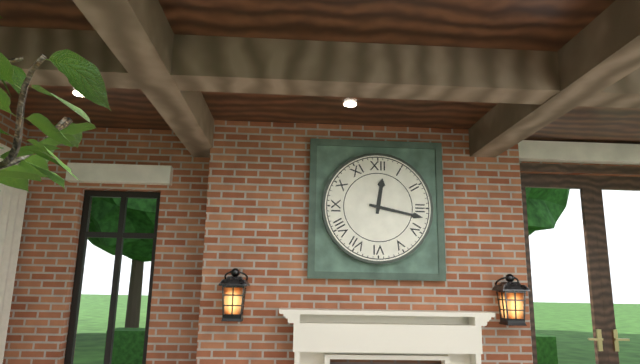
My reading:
**12:17**
